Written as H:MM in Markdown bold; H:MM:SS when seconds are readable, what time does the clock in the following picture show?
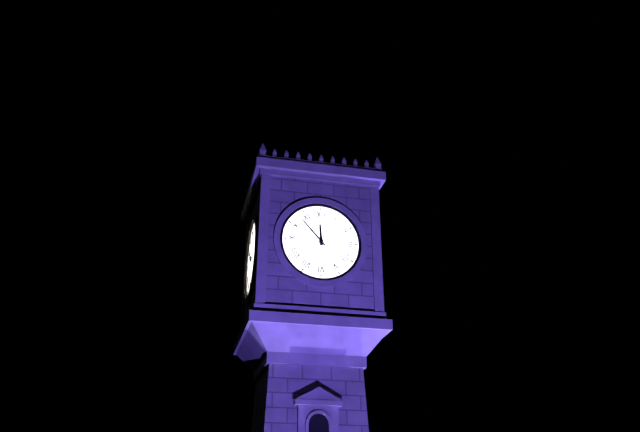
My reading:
**11:53**
